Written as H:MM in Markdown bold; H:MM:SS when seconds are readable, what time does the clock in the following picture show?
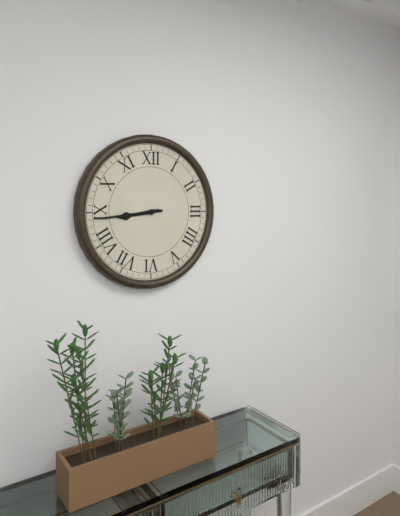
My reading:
**8:44**
